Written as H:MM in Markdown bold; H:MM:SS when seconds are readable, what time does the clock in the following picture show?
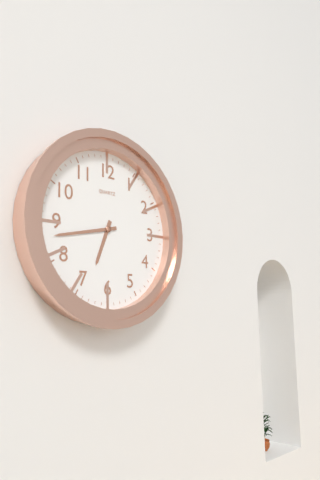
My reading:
**6:43**
